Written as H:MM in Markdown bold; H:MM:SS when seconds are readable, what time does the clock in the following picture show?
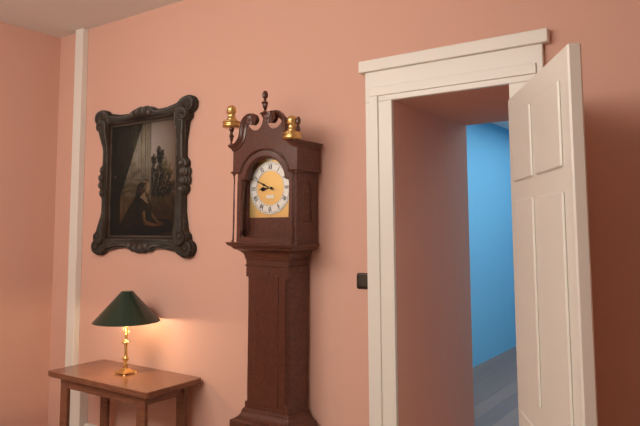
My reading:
**8:49**
